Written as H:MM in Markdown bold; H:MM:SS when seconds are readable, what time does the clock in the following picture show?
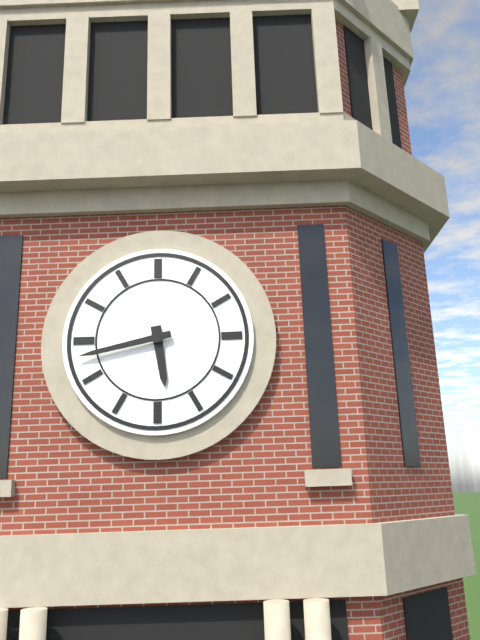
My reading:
**5:43**
